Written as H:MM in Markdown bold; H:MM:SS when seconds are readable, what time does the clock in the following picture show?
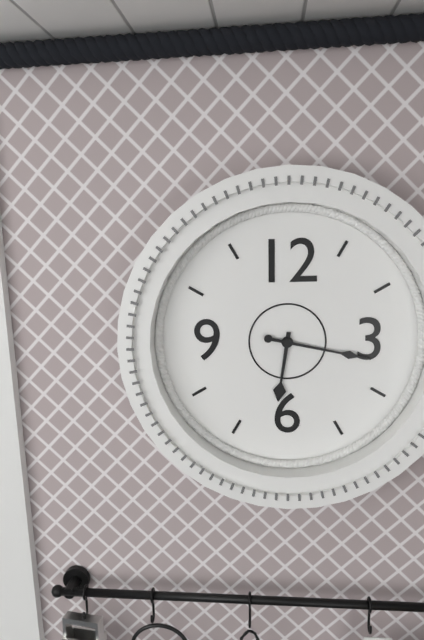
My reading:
**6:17**
